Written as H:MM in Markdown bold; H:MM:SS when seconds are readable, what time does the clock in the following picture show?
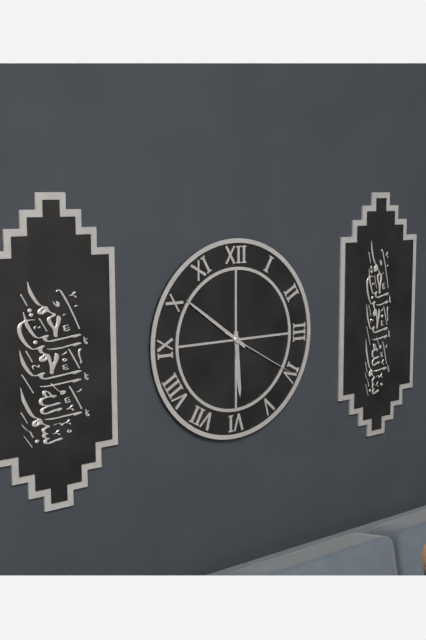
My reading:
**5:51:20**
